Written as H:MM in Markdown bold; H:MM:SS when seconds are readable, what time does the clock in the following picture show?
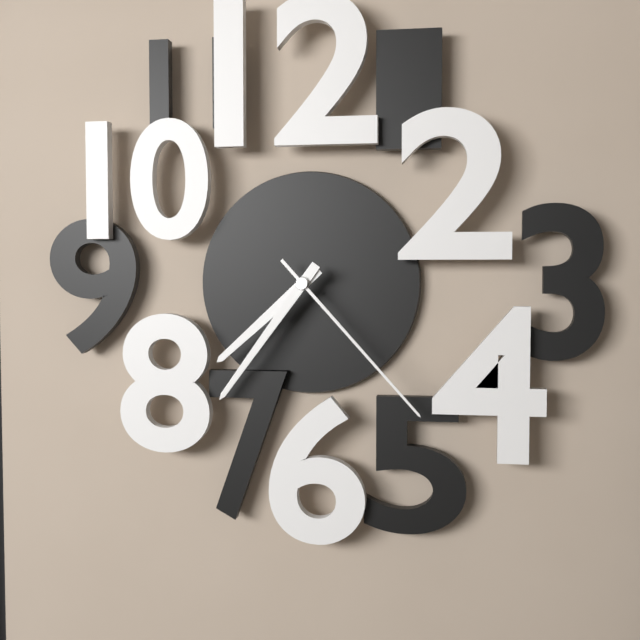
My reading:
**7:36:23**
